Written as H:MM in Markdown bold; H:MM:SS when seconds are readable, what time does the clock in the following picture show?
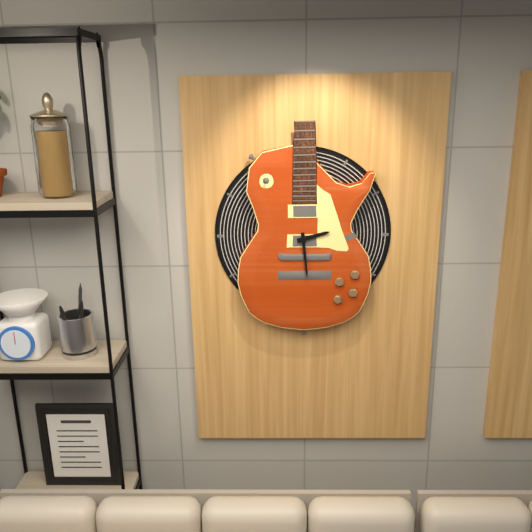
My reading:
**2:29**
